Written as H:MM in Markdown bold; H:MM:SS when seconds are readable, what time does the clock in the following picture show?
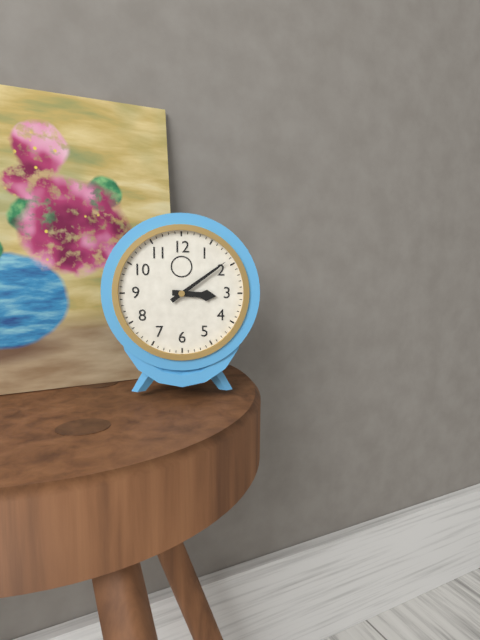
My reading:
**3:09**
